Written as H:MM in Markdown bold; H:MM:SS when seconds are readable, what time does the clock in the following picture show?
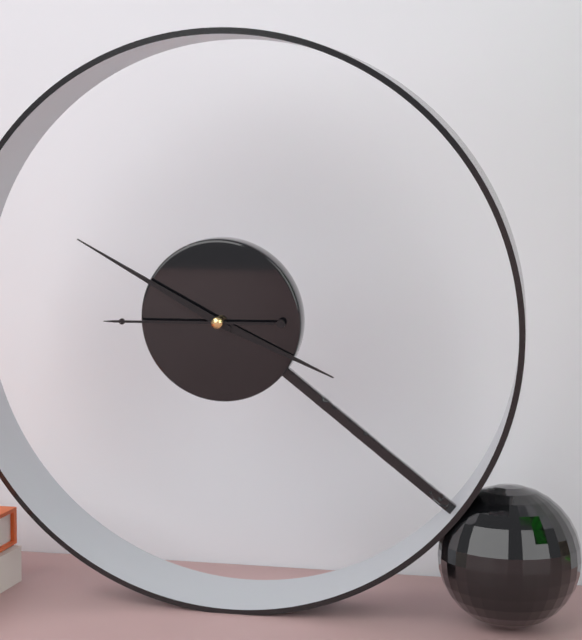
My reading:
**3:50:45**
